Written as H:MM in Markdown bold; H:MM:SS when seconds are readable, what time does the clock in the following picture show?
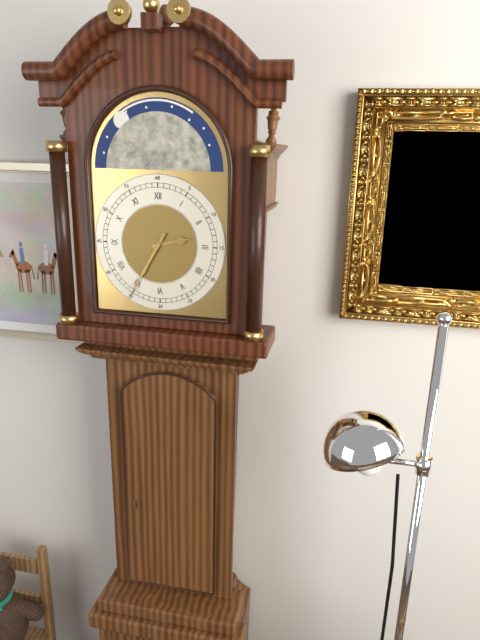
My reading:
**2:35**
